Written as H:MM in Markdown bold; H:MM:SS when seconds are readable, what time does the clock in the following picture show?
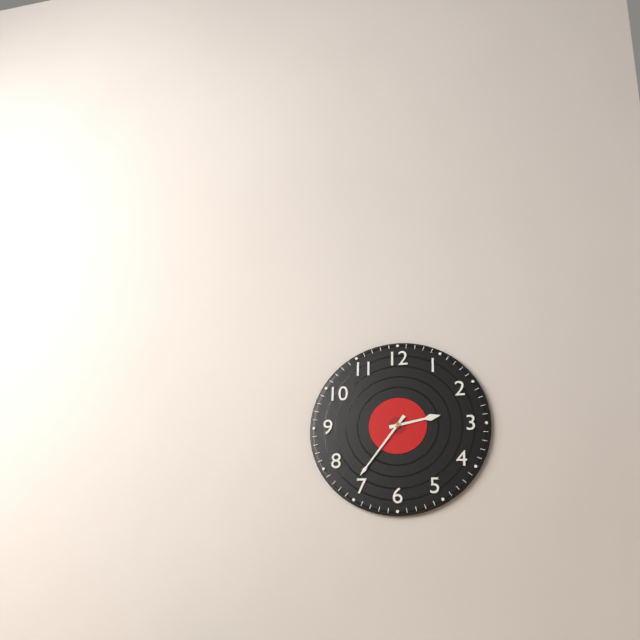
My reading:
**2:36**
